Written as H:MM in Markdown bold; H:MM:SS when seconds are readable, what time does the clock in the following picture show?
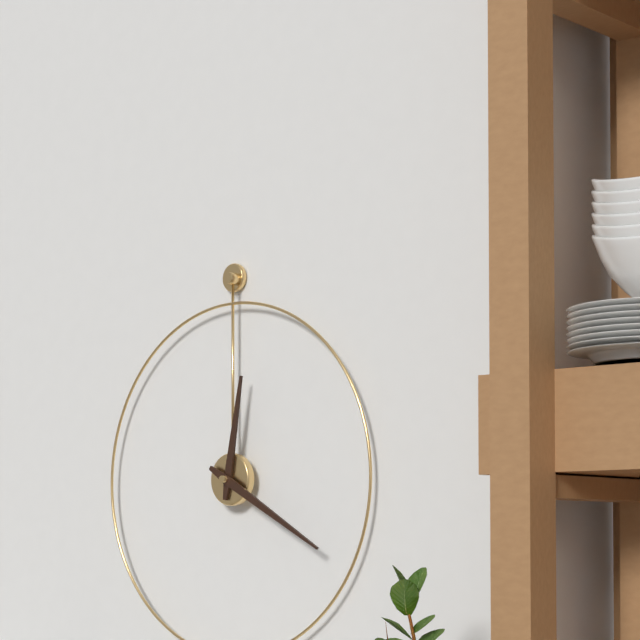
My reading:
**12:20**
